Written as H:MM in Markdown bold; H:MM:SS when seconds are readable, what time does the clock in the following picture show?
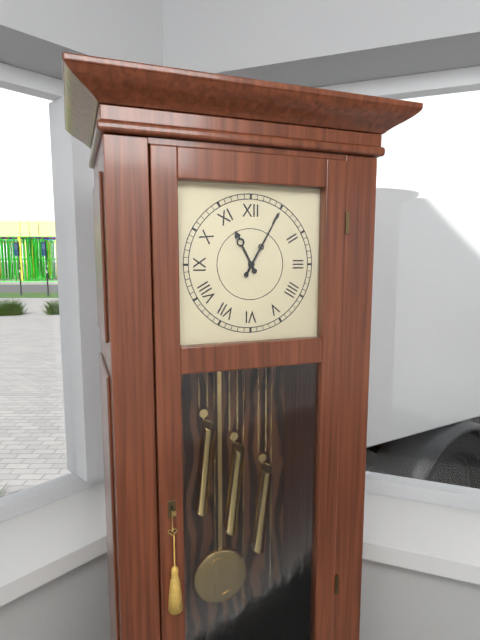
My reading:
**11:05**
